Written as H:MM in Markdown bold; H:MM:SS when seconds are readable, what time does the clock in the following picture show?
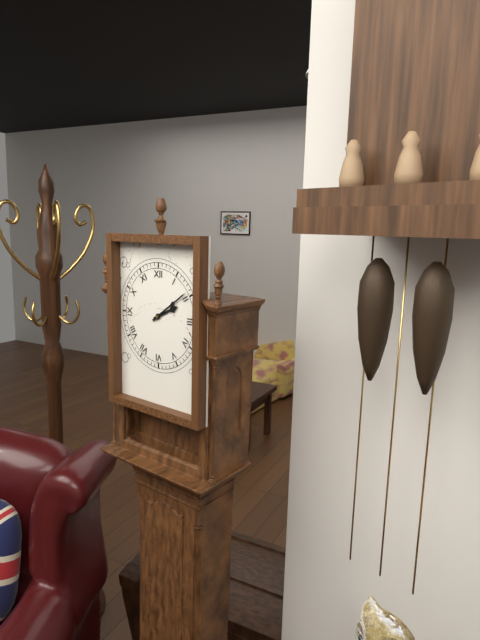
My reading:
**2:09**
